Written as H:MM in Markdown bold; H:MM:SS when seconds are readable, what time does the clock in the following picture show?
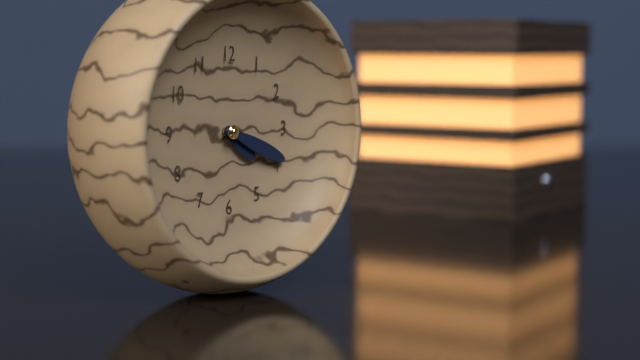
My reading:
**4:19**
